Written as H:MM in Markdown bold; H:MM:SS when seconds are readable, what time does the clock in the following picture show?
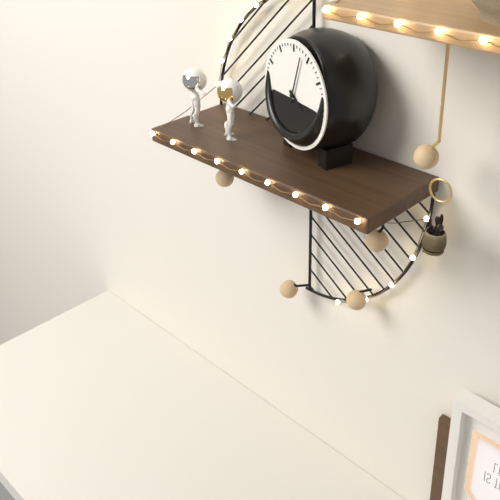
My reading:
**4:03**
